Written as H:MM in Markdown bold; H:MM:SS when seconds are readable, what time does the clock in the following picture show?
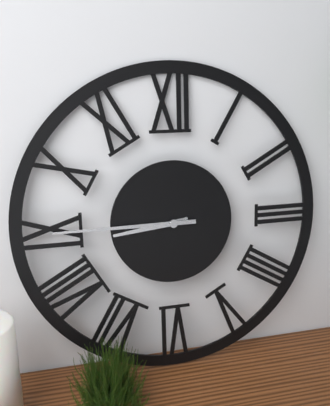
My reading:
**8:45**
